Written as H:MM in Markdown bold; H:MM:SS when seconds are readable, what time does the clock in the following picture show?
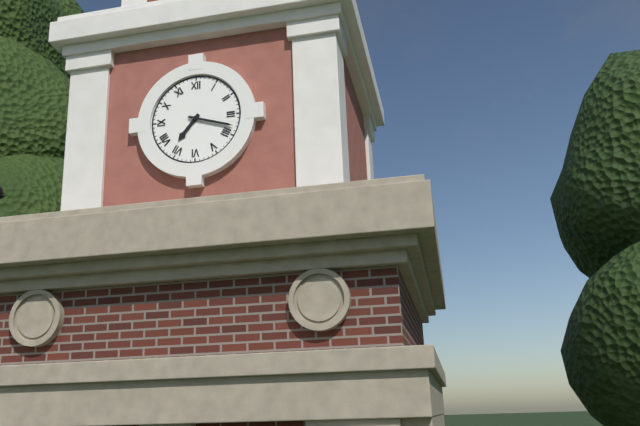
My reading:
**7:18**
